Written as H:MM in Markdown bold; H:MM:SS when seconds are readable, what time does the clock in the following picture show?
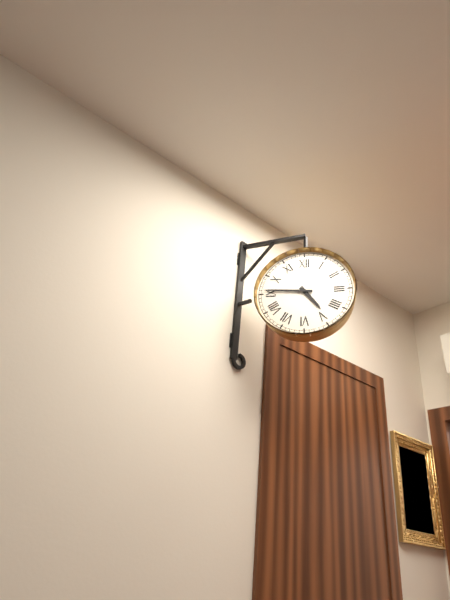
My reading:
**4:46**
